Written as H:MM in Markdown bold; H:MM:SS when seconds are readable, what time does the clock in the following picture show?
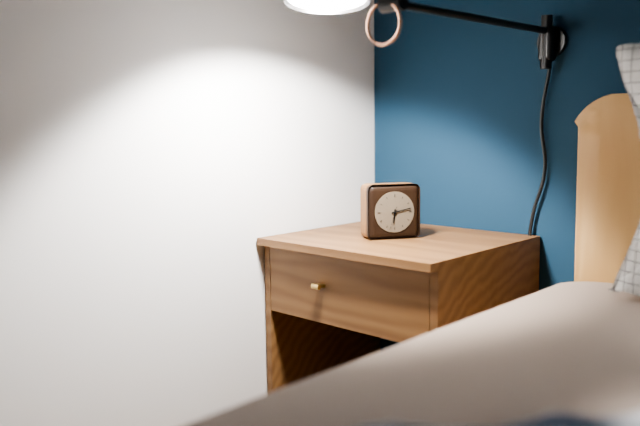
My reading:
**6:13**
